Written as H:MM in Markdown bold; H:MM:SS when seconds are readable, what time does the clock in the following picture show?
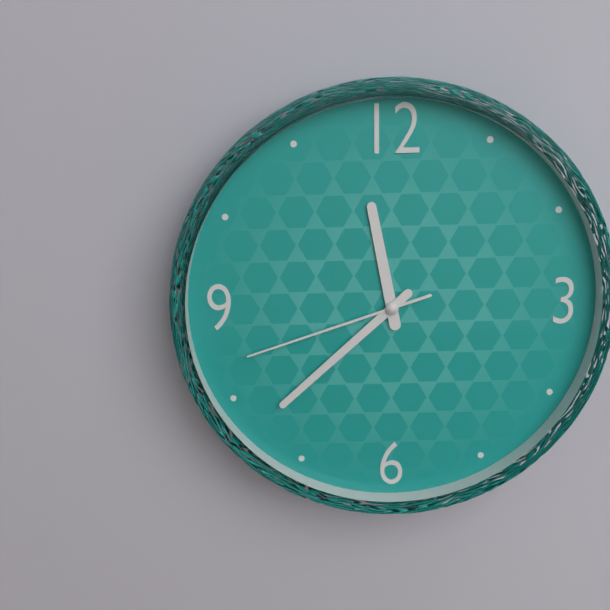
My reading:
**11:38:42**
